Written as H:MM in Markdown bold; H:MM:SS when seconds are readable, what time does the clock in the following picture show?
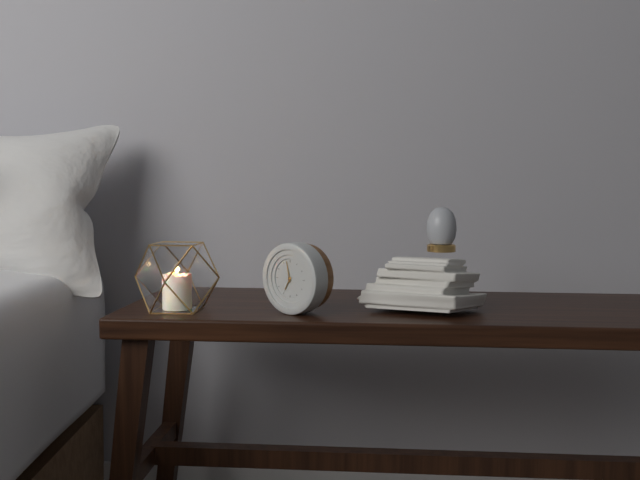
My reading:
**6:58**
